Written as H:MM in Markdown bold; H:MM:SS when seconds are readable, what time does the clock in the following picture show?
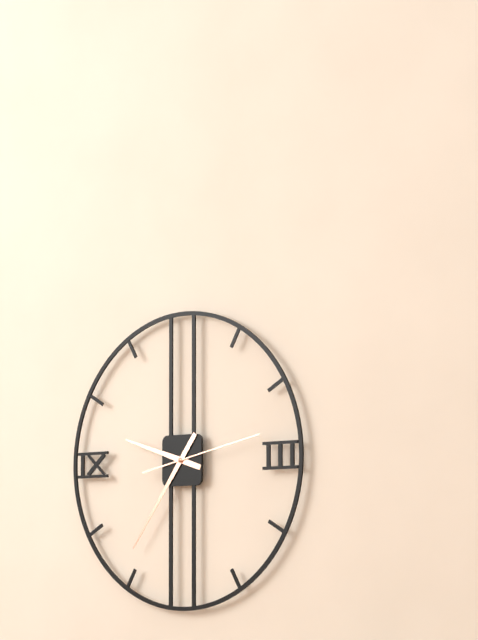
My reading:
**9:36:13**
